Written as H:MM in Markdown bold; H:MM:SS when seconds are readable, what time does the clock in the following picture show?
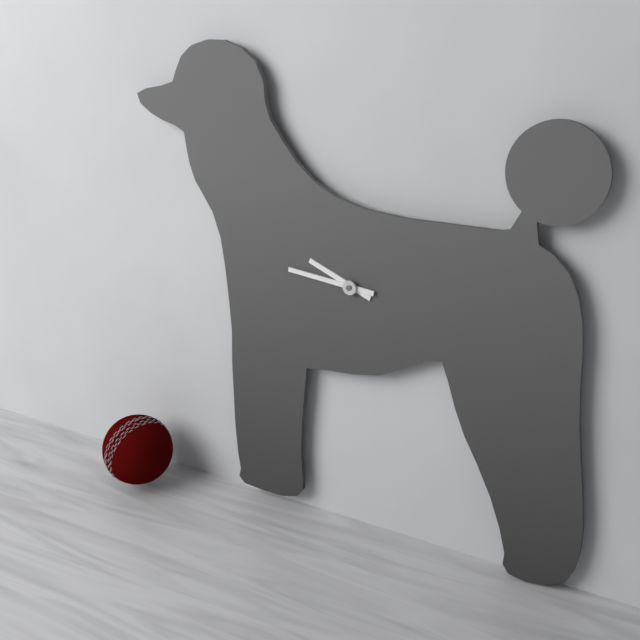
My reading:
**9:46**
